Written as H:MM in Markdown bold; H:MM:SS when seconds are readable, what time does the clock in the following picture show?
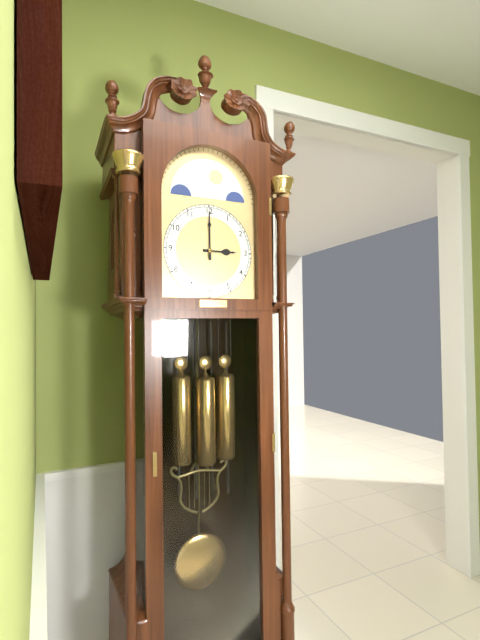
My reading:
**3:00**
